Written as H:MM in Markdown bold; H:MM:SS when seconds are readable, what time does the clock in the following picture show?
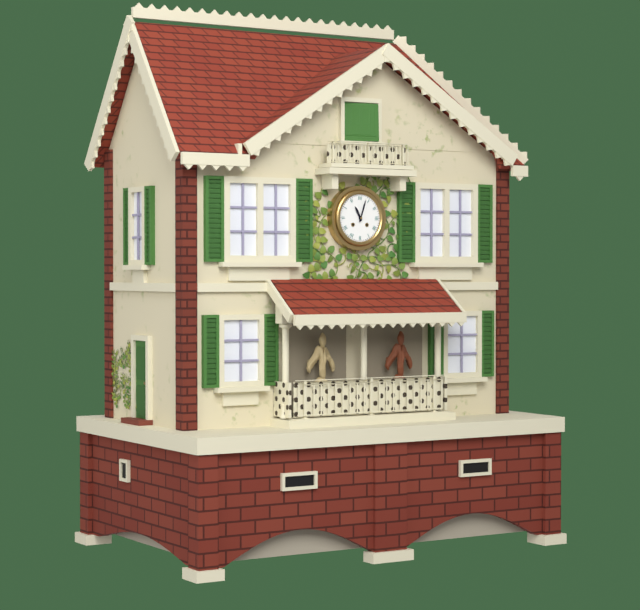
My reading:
**11:03**
